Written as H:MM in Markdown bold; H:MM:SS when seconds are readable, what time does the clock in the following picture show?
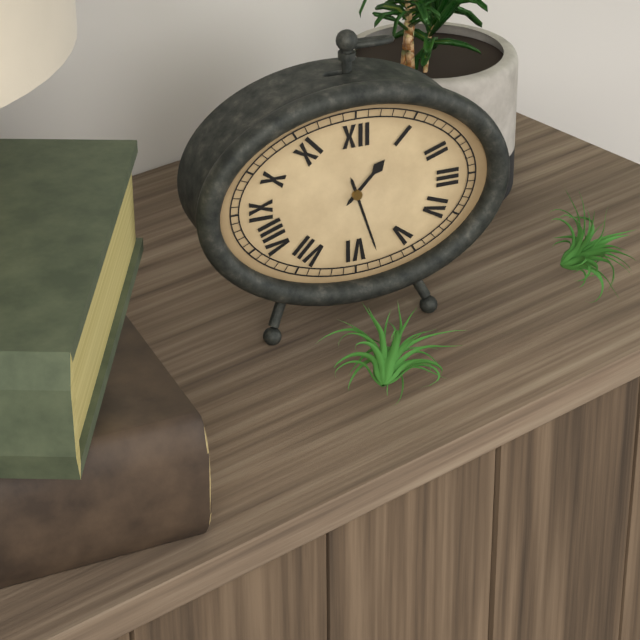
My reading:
**1:27**
